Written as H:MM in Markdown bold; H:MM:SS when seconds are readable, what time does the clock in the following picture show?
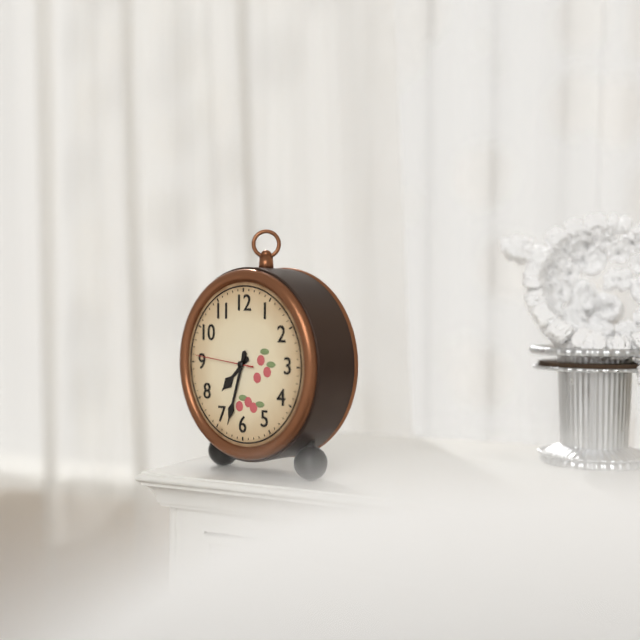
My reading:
**7:33:46**
